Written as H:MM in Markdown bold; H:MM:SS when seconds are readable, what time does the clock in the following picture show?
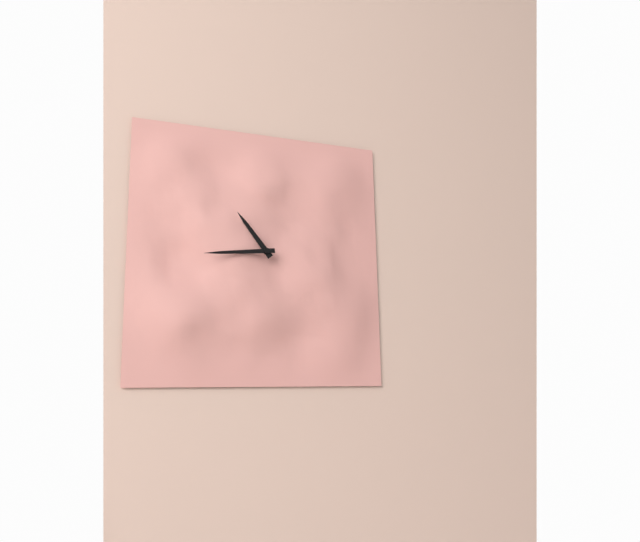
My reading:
**10:44**
